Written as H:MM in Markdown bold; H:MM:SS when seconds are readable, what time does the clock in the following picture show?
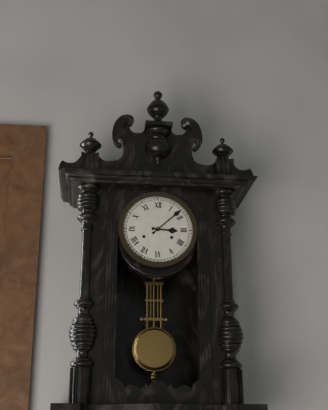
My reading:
**3:08**
